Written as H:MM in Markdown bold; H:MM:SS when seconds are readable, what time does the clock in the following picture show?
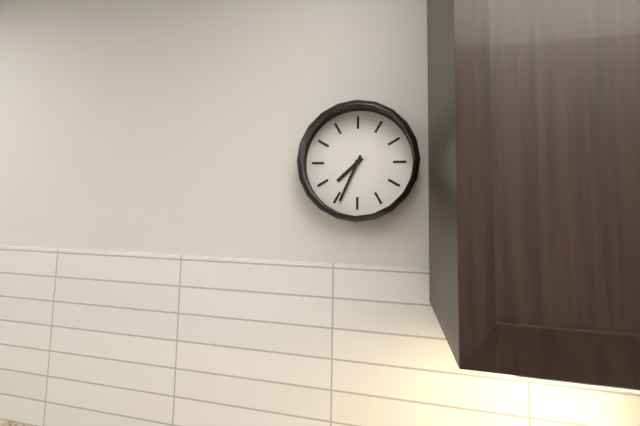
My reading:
**7:34**
